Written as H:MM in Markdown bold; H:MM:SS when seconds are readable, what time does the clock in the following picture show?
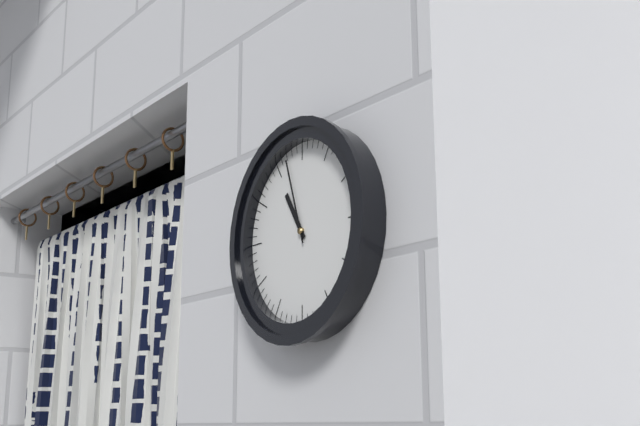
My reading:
**10:57**
